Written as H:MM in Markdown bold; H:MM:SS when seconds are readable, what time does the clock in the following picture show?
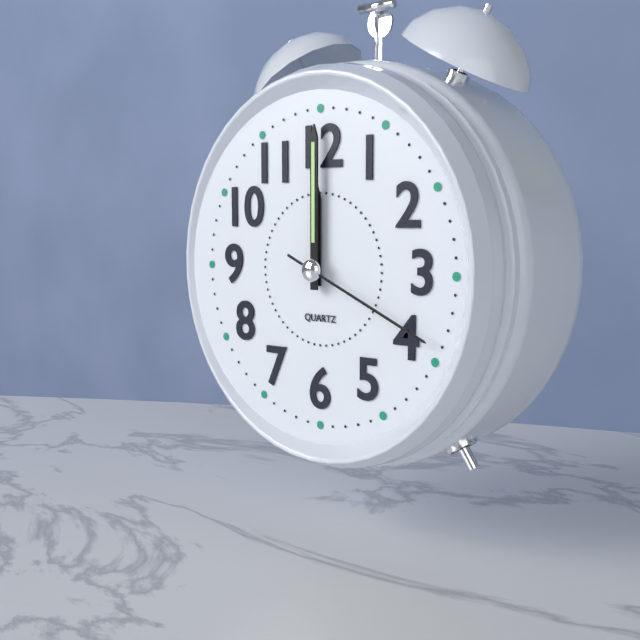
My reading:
**12:00:19**
